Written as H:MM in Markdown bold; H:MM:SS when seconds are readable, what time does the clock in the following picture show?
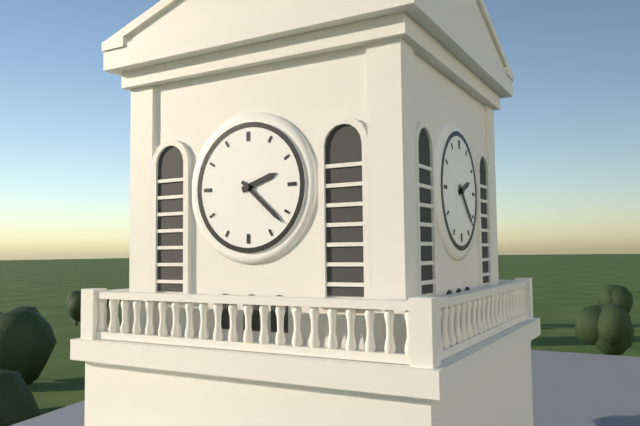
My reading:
**2:22**
